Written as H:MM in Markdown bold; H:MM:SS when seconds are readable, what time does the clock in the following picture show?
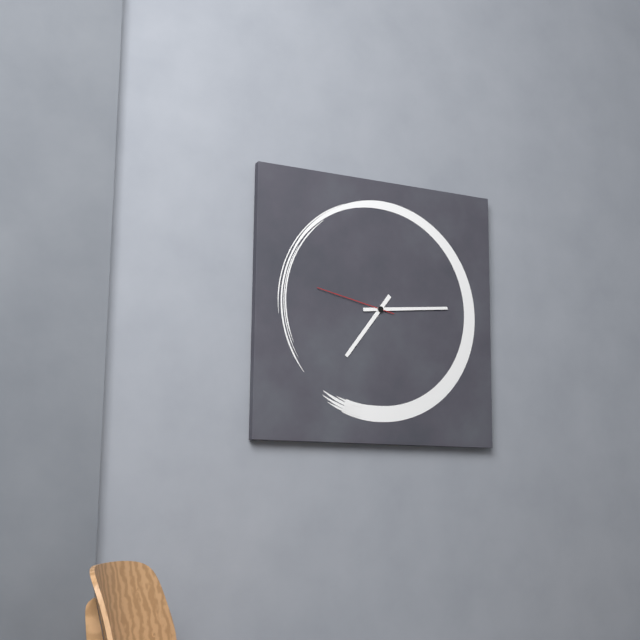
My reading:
**7:14:47**
